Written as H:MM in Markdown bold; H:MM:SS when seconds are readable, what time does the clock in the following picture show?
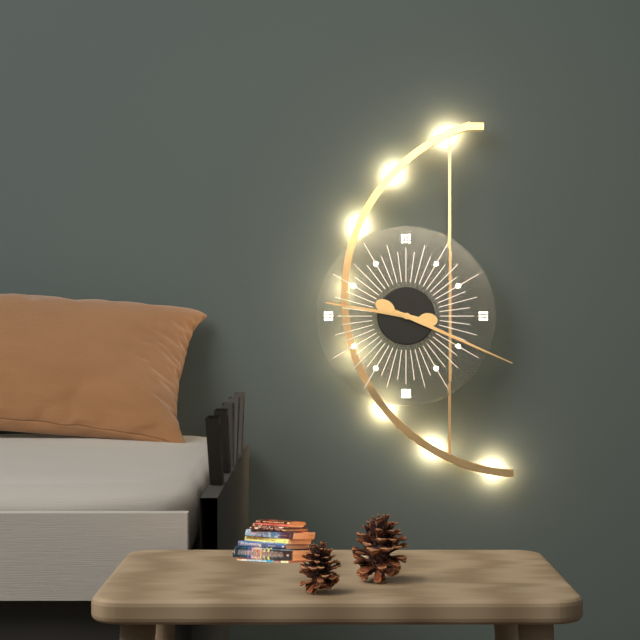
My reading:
**9:19**
